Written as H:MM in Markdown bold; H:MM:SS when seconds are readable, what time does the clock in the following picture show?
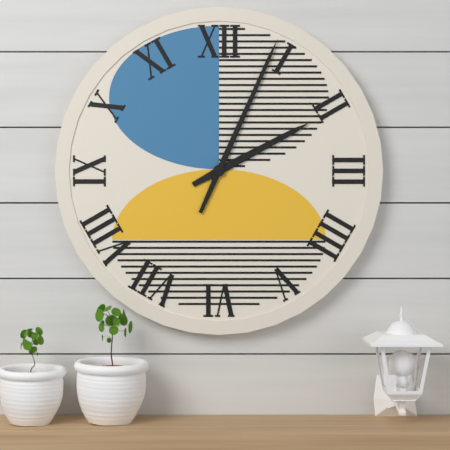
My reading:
**2:04**
